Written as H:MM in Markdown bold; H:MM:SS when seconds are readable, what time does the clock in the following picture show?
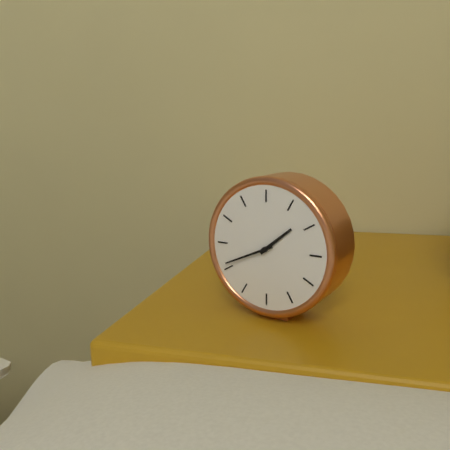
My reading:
**1:41**
